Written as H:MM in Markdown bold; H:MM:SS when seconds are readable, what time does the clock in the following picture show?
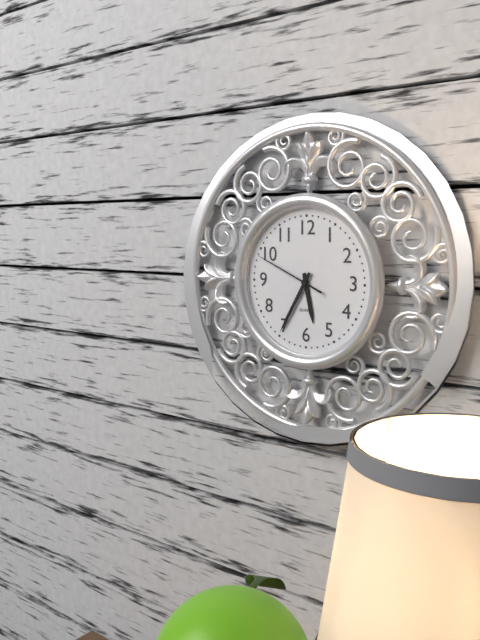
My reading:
**5:35:49**
